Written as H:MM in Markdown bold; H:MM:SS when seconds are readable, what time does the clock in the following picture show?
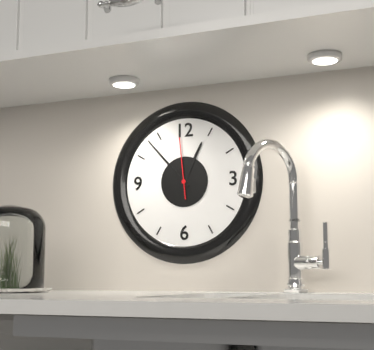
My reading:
**12:53:59**
